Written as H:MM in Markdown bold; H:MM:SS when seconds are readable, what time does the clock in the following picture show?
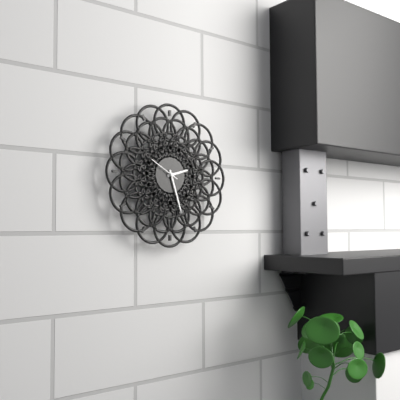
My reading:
**2:27**
